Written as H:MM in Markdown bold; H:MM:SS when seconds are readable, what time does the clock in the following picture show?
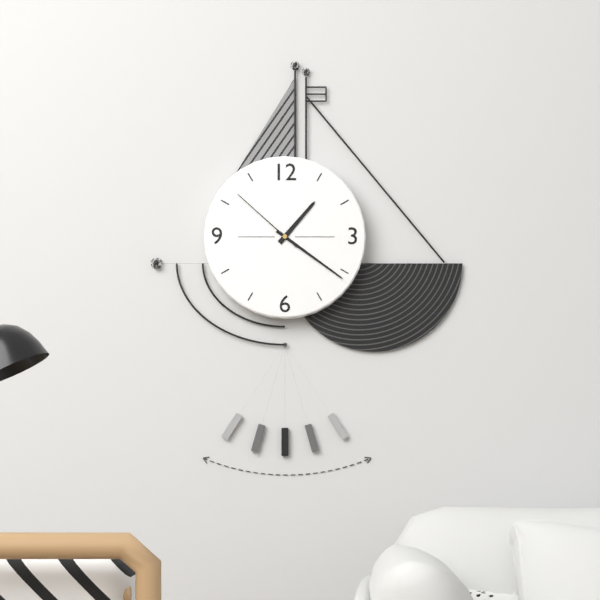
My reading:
**1:21:52**
